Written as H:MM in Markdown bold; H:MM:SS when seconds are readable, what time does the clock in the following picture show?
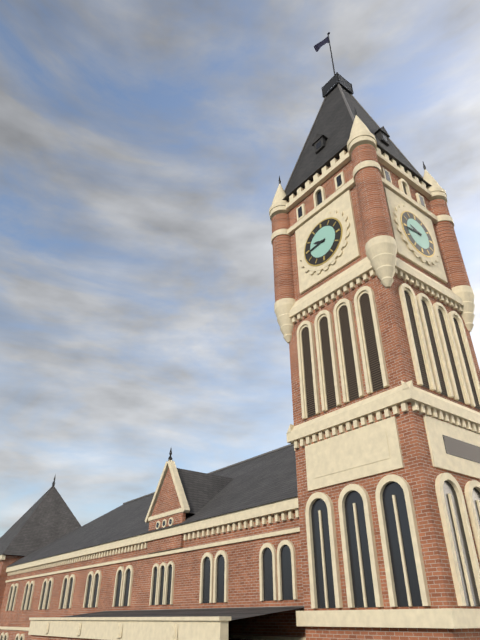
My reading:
**9:44**
